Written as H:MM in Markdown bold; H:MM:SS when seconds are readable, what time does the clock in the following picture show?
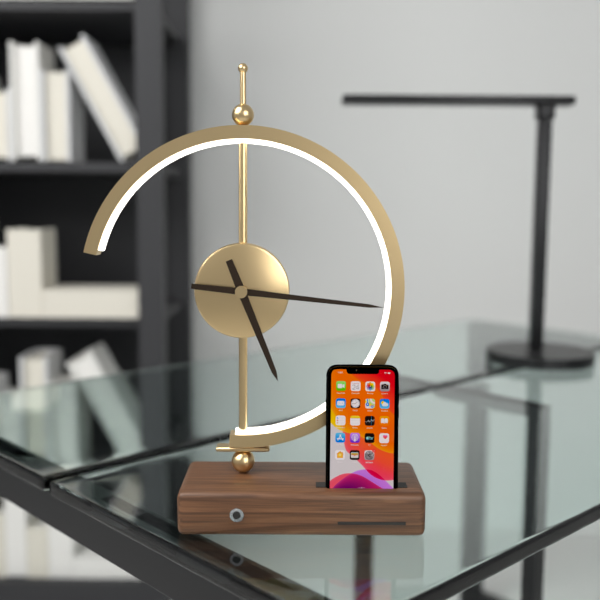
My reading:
**5:16**
